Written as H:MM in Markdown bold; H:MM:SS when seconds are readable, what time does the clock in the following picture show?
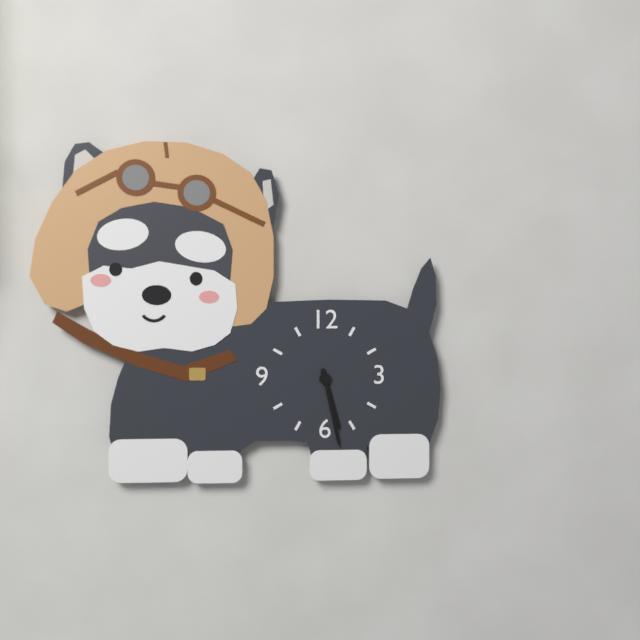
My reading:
**5:28**
